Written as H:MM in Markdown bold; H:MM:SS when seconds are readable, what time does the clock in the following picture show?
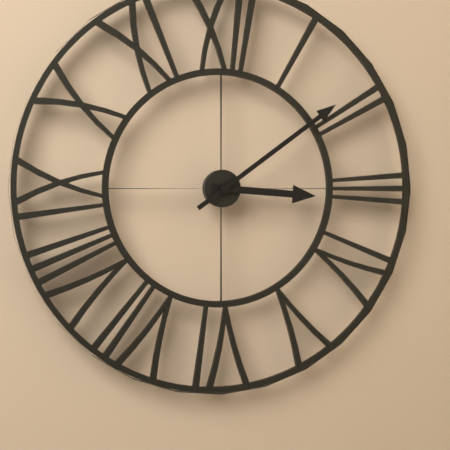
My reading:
**3:09**
